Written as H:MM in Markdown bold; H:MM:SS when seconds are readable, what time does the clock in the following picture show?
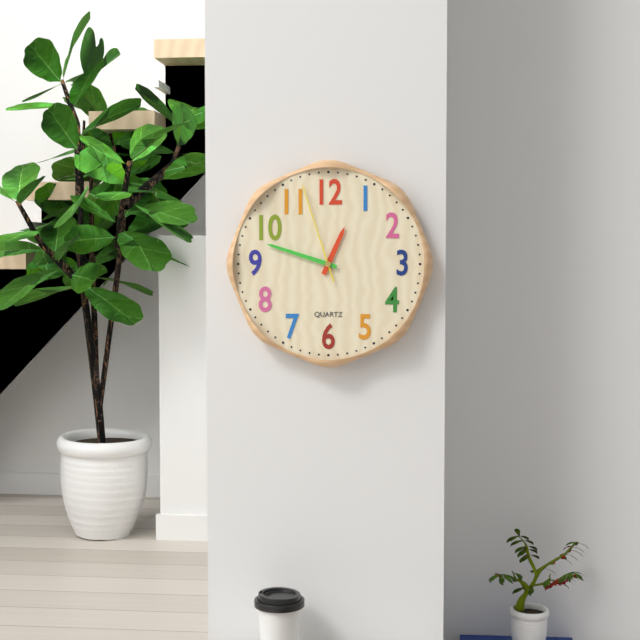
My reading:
**12:48:57**
